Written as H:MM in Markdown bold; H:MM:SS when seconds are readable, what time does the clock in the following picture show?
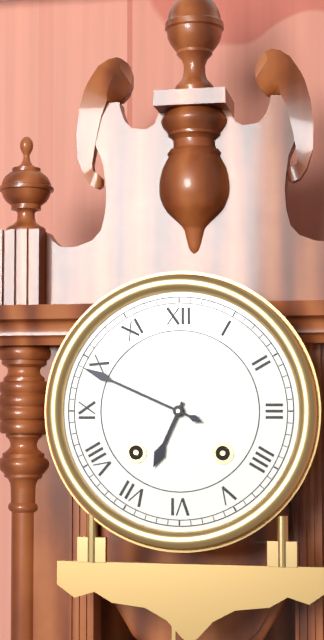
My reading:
**6:49**
